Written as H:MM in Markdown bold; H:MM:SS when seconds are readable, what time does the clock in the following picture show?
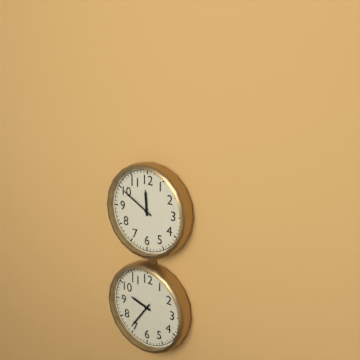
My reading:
**11:50**
